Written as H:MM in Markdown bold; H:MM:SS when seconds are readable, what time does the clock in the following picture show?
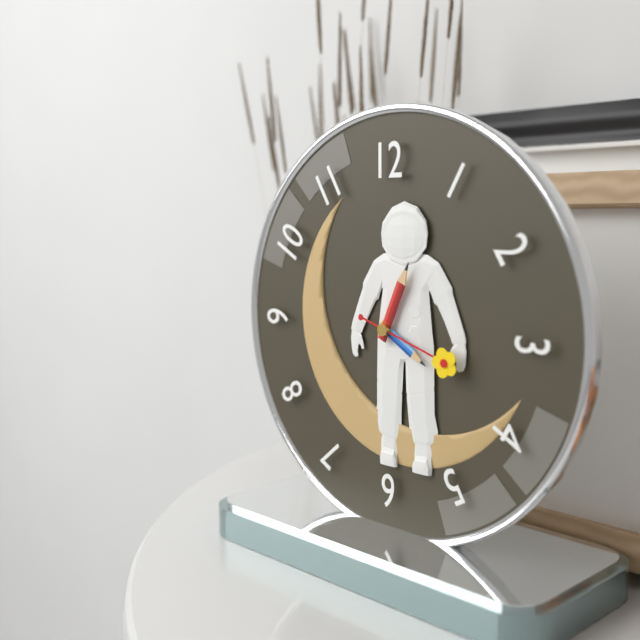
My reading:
**4:04:18**
